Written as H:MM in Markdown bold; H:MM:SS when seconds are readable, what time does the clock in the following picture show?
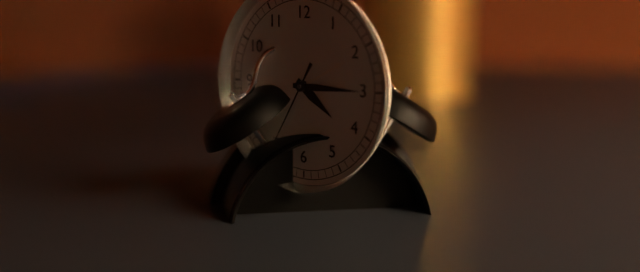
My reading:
**4:15:35**
